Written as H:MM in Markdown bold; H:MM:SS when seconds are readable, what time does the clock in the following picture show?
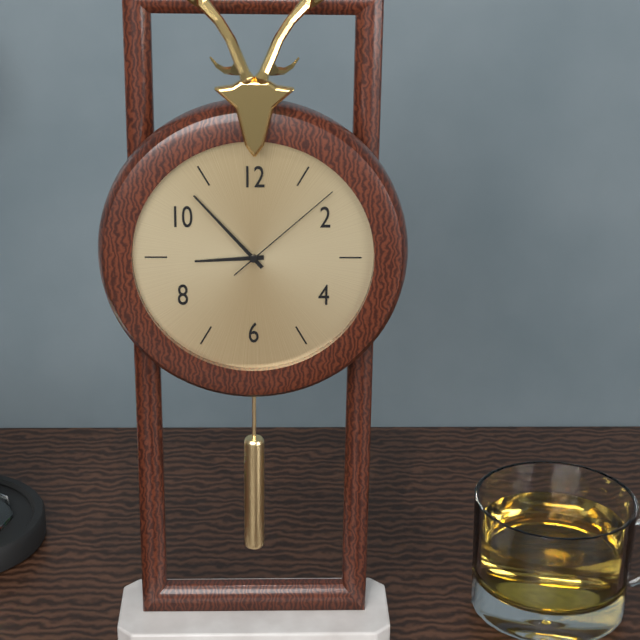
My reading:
**8:53:08**
